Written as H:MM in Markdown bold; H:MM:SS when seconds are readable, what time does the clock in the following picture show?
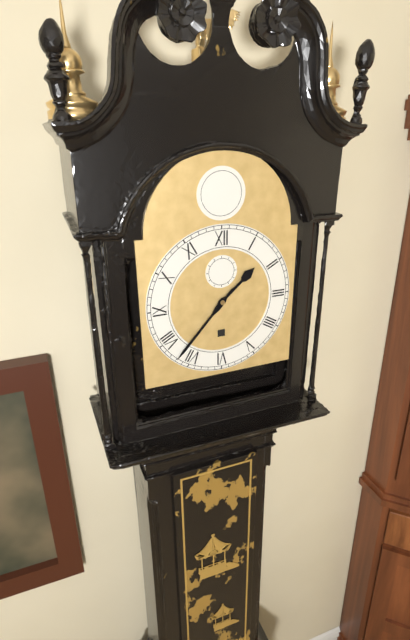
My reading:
**1:37**
